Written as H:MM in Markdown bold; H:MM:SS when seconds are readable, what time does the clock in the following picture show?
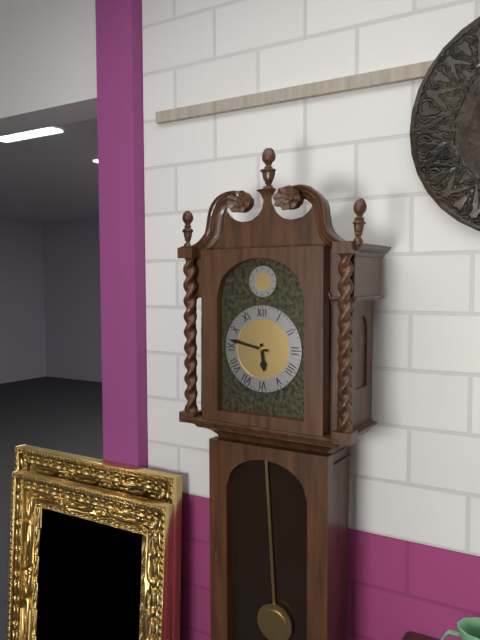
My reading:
**5:47**
